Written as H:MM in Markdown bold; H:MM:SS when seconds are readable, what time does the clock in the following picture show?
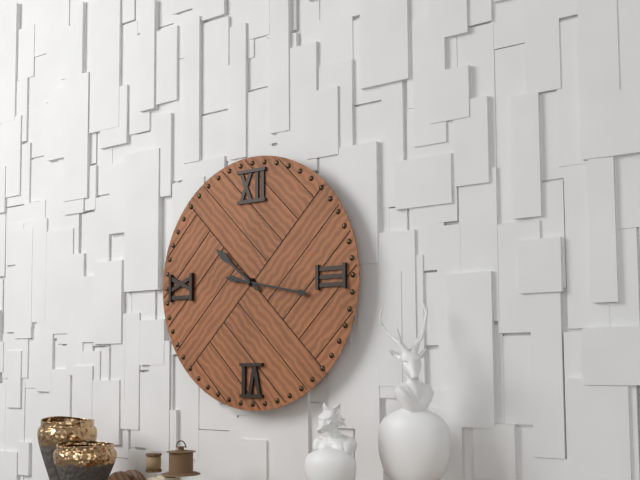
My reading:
**10:17**
